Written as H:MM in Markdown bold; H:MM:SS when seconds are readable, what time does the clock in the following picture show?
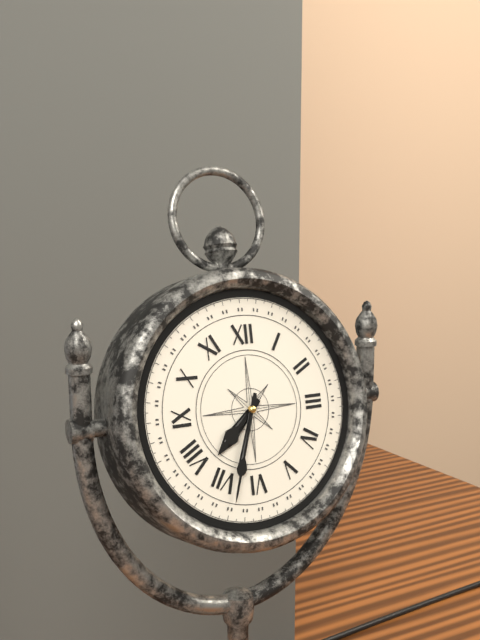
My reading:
**7:33**
